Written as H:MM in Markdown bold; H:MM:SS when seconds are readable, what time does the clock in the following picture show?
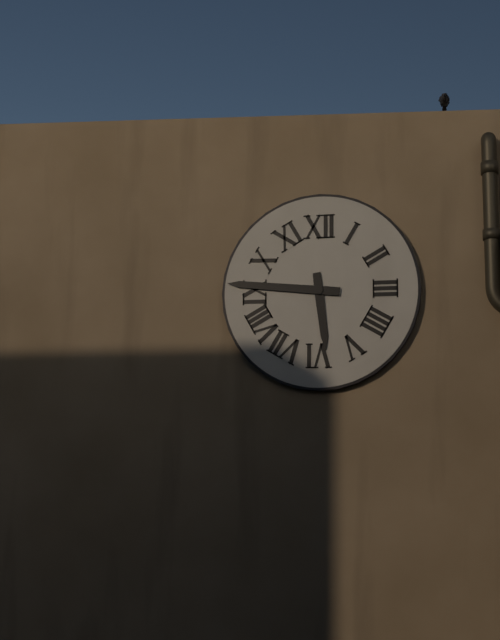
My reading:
**5:46**
